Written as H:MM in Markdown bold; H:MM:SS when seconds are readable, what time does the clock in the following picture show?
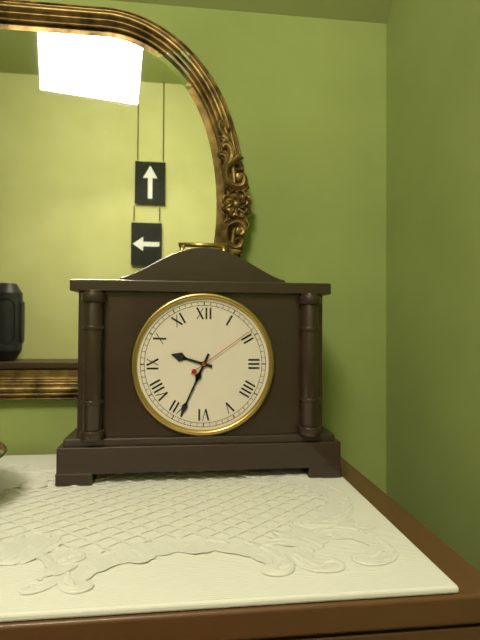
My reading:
**9:34:09**
